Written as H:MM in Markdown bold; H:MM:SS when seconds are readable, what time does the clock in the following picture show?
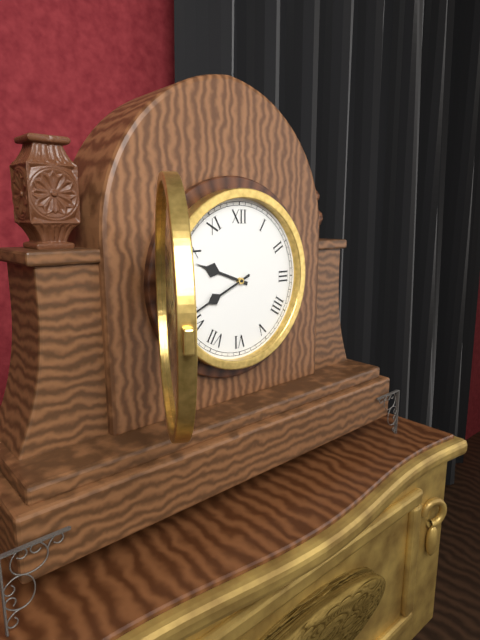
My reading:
**9:41**
